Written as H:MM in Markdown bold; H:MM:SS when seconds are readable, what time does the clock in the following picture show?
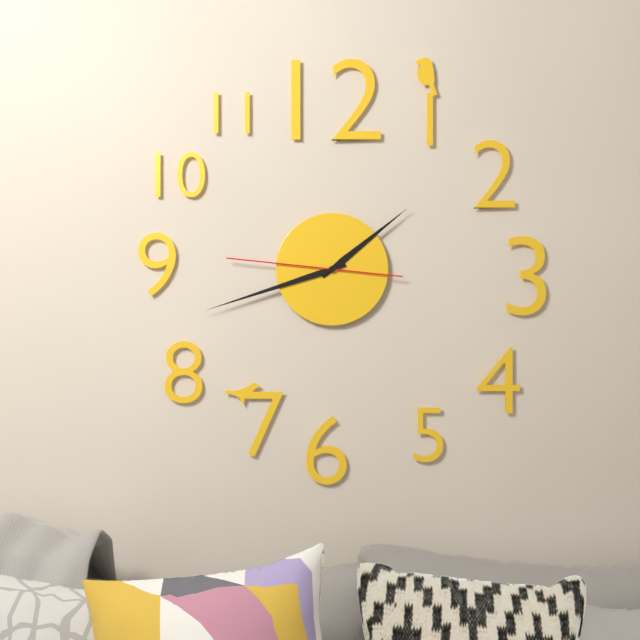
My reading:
**1:42:46**
